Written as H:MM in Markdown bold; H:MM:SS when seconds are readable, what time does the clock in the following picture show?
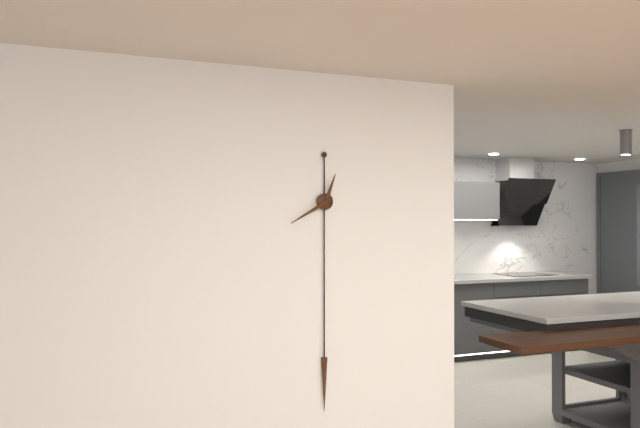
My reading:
**12:40**
